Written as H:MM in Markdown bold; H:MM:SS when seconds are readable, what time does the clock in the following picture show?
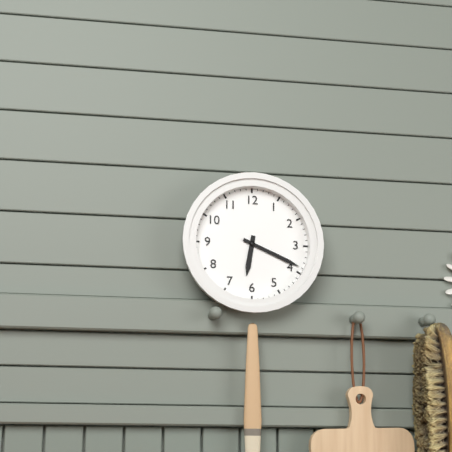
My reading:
**6:19**
